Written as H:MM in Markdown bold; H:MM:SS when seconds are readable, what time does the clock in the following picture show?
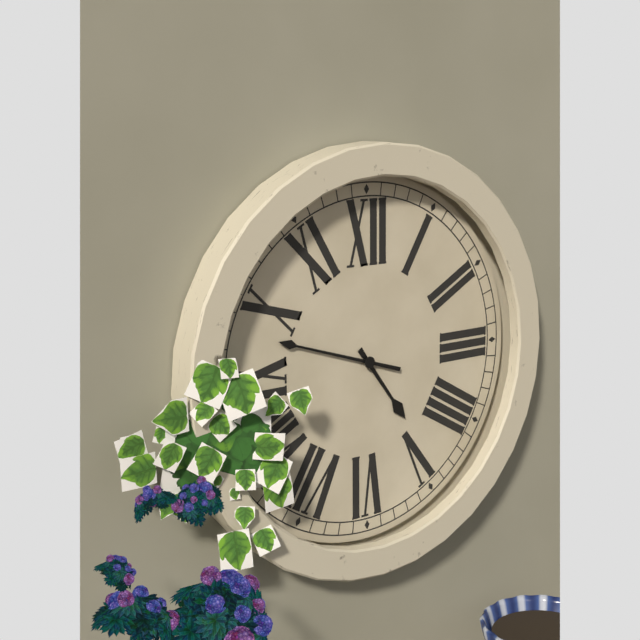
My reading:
**4:48**
